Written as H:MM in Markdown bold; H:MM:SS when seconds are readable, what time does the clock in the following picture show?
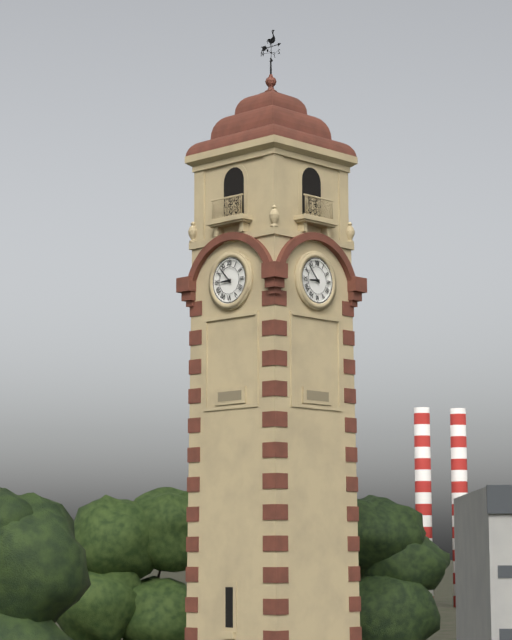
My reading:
**8:53**
